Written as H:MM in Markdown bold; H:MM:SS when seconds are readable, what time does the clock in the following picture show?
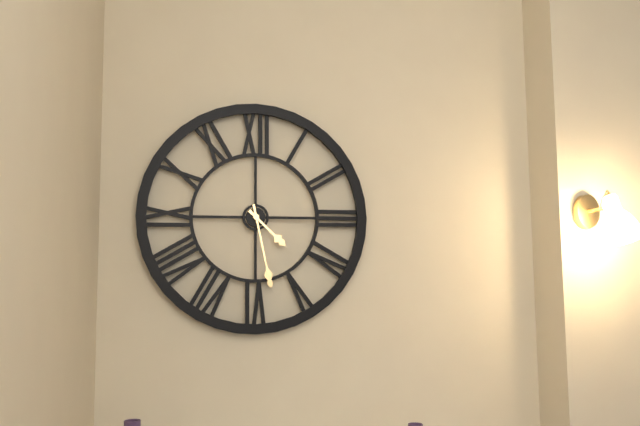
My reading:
**4:28**
